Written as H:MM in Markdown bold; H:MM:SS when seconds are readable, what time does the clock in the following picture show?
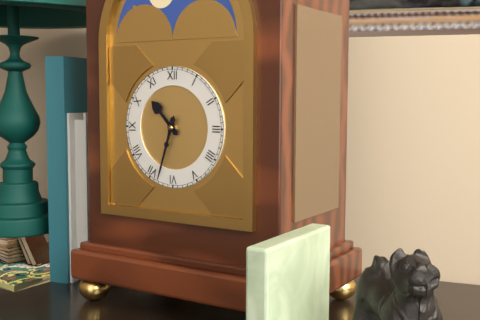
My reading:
**10:33**
